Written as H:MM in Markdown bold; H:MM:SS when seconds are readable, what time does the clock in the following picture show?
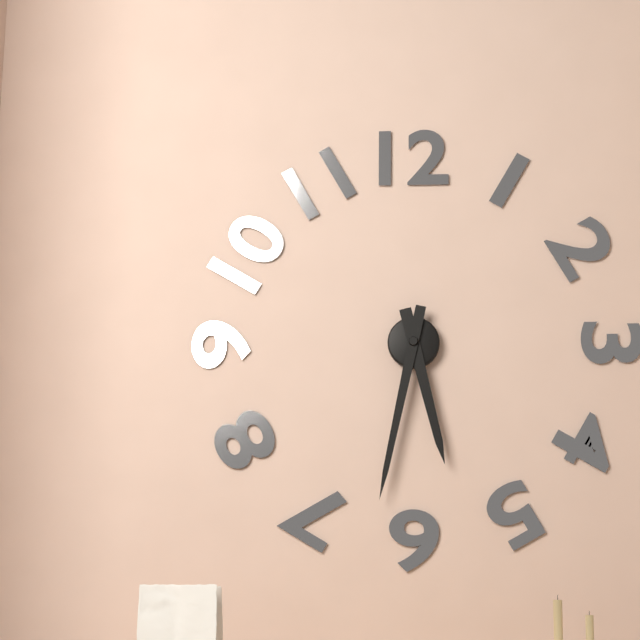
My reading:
**5:32**
